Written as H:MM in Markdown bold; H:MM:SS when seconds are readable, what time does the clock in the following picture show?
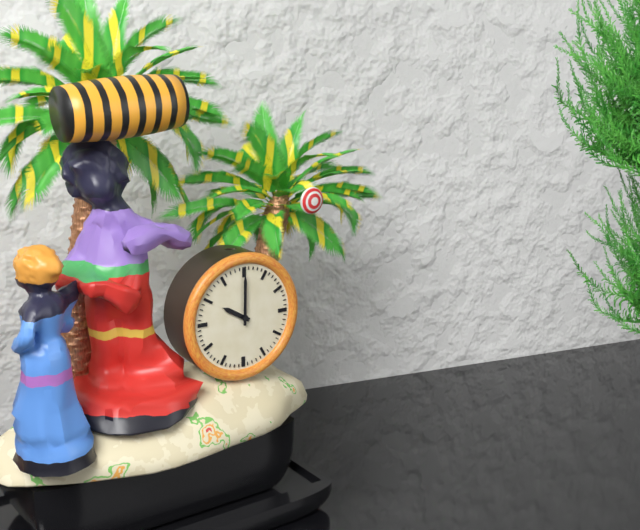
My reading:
**10:00**
